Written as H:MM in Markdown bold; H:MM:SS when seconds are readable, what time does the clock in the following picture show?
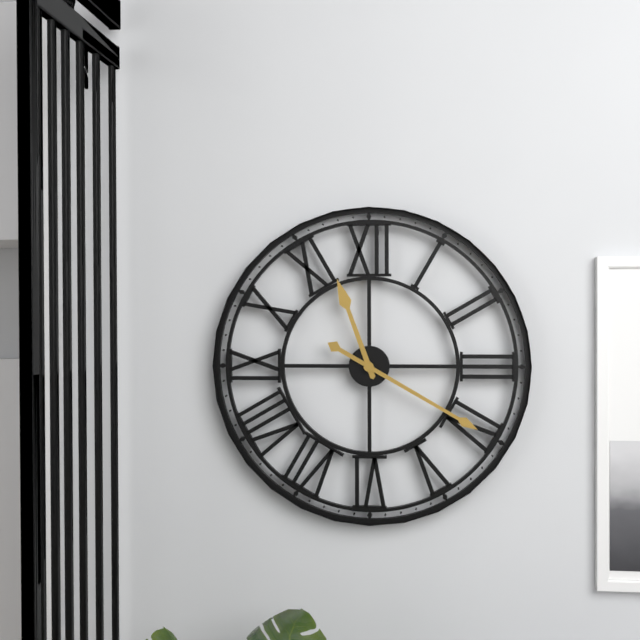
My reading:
**11:20**
